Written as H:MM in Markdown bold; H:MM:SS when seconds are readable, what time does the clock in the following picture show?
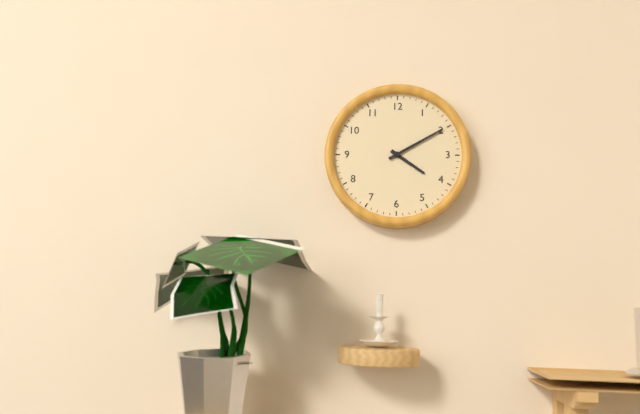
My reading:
**4:10**
